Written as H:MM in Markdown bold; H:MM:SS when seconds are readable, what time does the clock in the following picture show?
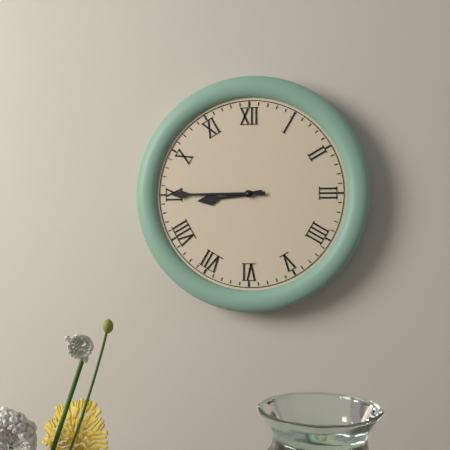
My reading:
**8:45**
